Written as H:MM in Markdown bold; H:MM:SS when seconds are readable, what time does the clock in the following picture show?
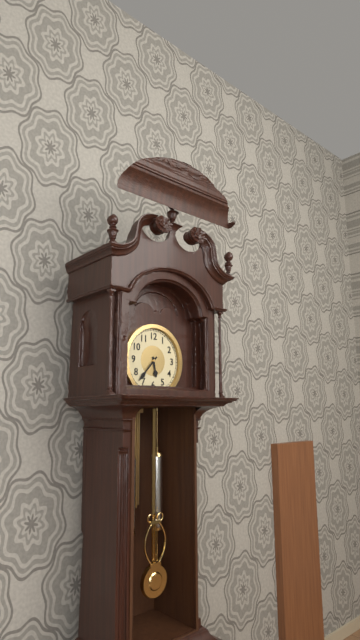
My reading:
**5:37**
